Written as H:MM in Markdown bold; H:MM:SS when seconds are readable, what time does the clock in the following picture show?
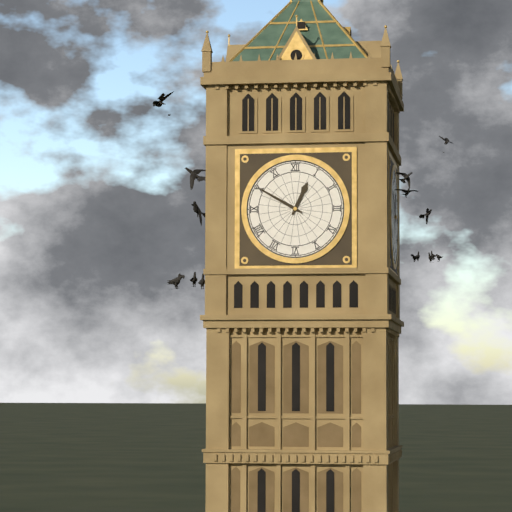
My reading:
**12:50**
